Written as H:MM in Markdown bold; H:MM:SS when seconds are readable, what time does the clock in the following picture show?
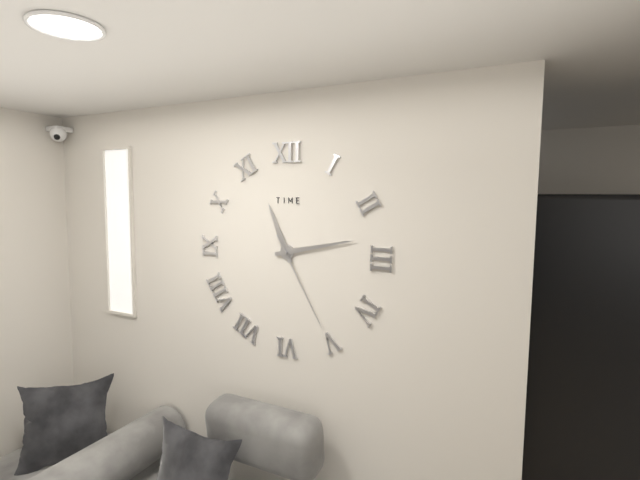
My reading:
**11:13:25**
